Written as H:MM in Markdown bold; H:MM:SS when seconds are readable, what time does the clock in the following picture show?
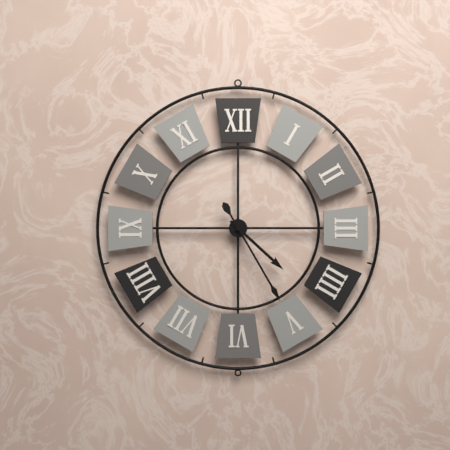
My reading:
**4:25**
